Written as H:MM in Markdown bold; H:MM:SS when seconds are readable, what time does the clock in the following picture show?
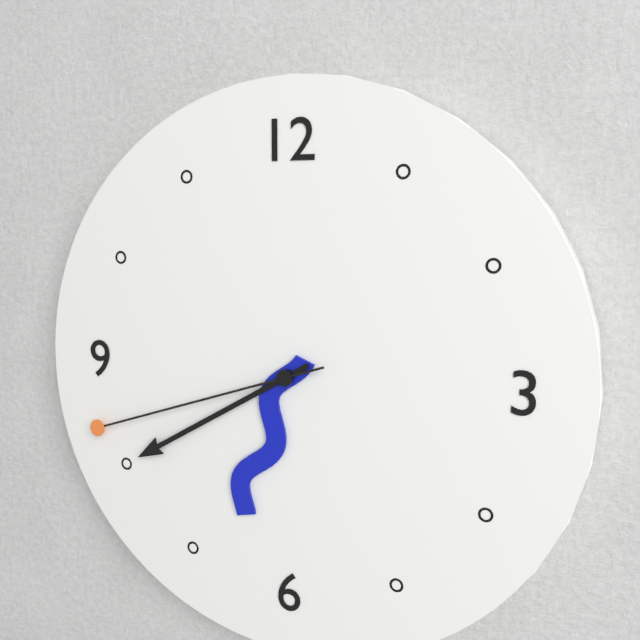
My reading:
**6:40:42**
